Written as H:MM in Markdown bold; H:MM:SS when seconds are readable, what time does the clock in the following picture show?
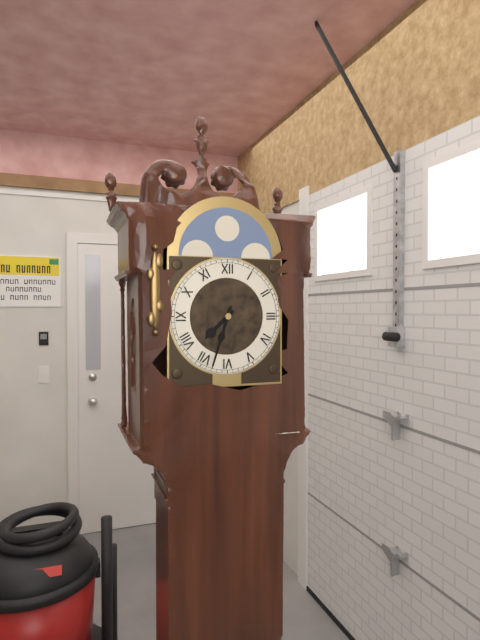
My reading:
**7:33**
